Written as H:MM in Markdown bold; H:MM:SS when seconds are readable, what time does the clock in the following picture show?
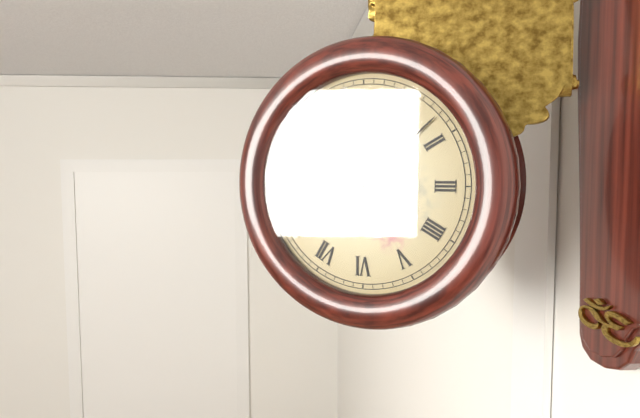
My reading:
**8:08:08**
